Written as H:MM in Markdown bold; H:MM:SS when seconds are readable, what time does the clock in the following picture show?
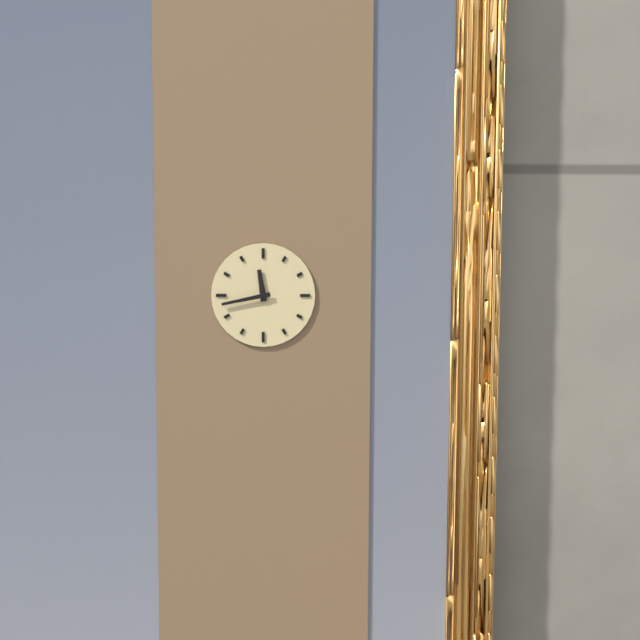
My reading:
**11:43**
